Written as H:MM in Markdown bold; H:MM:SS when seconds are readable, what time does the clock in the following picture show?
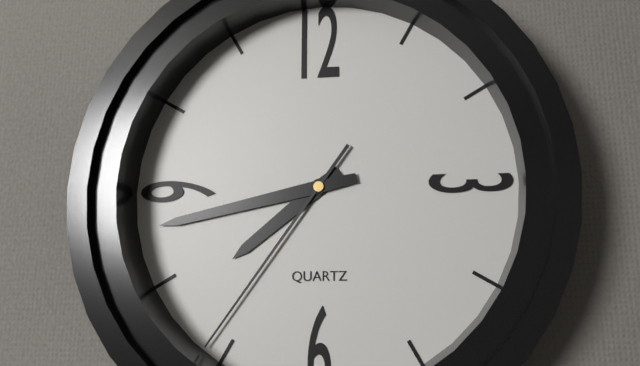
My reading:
**7:43:36**
